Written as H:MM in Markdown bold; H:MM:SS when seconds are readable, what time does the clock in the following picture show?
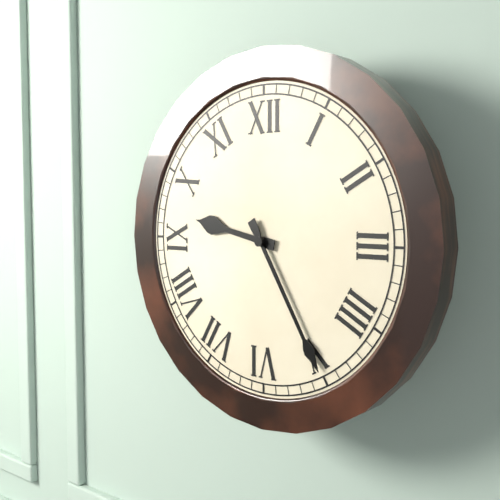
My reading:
**9:25**
